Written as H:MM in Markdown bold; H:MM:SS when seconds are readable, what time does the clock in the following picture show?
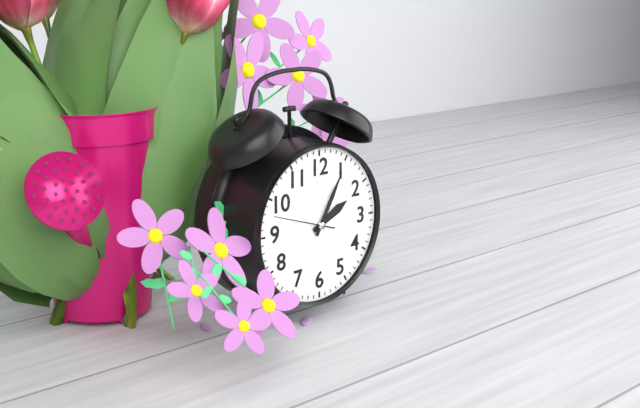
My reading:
**2:05:48**
